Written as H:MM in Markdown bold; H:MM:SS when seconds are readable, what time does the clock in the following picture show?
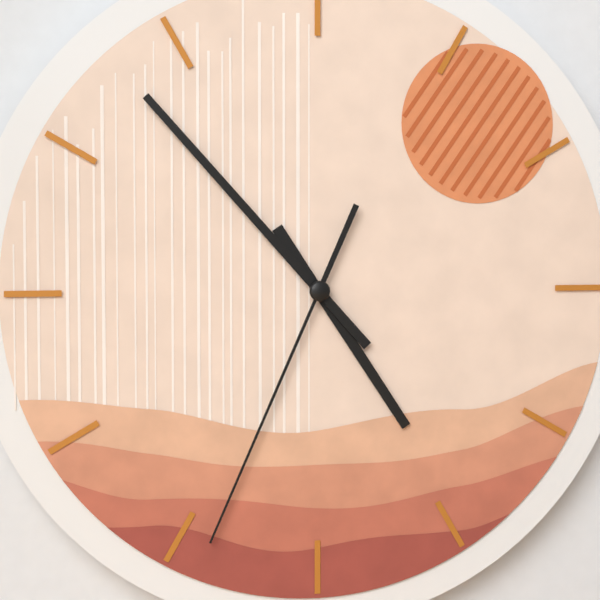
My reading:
**4:53:34**
